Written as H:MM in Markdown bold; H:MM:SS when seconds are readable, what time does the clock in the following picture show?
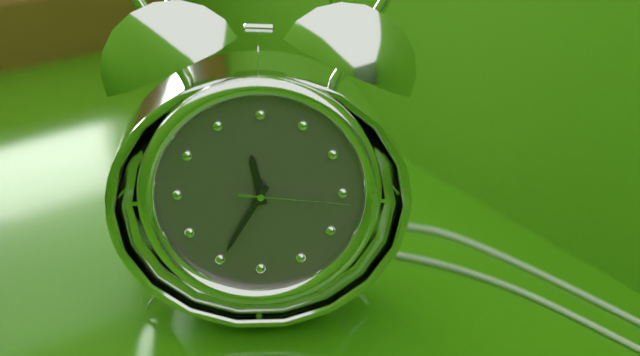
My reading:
**11:35:16**
